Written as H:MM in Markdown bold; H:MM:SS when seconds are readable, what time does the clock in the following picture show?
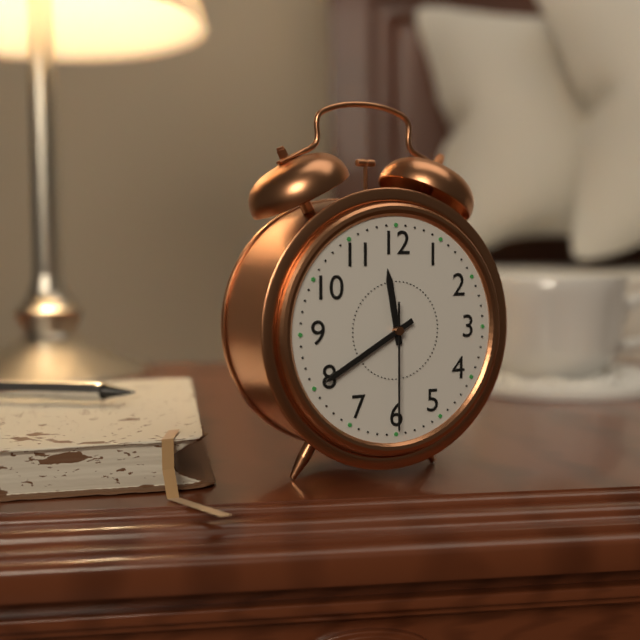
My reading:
**11:40:30**
